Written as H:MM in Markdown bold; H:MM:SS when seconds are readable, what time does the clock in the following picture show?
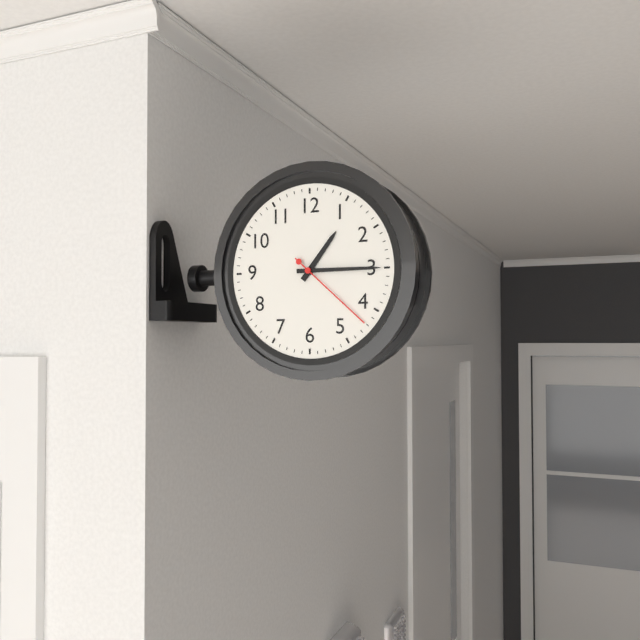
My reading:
**1:15:22**
